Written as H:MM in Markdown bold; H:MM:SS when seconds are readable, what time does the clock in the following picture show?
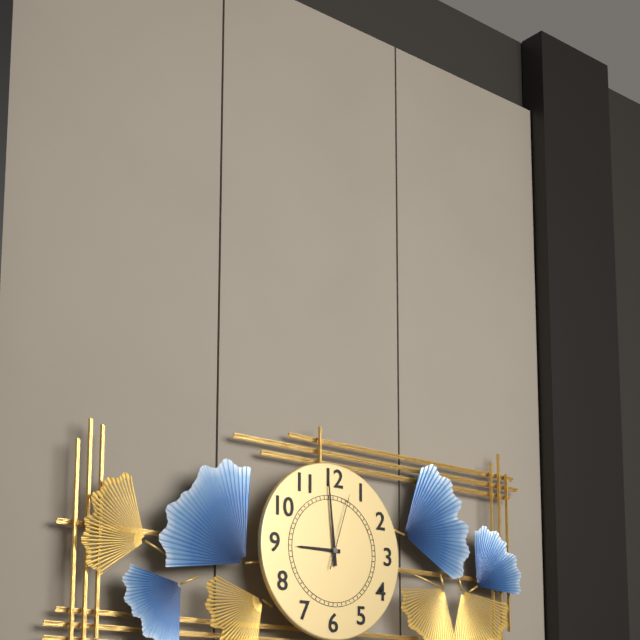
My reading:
**8:59:03**
